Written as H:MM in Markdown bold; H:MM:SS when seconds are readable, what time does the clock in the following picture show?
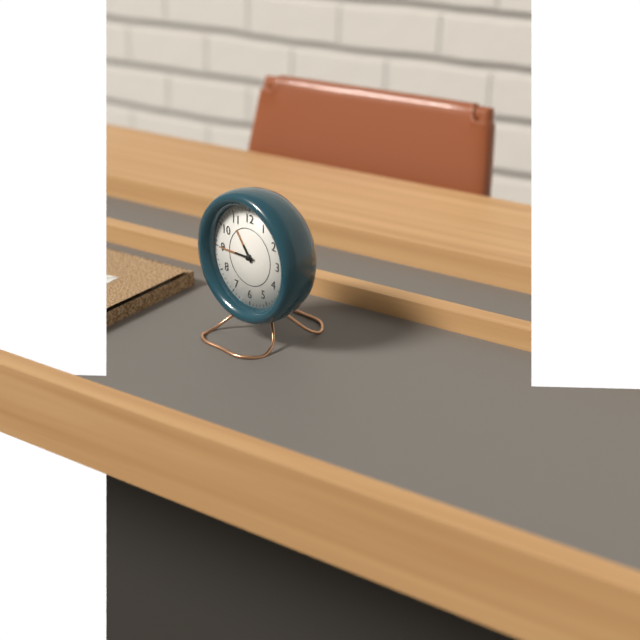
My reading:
**10:45**
